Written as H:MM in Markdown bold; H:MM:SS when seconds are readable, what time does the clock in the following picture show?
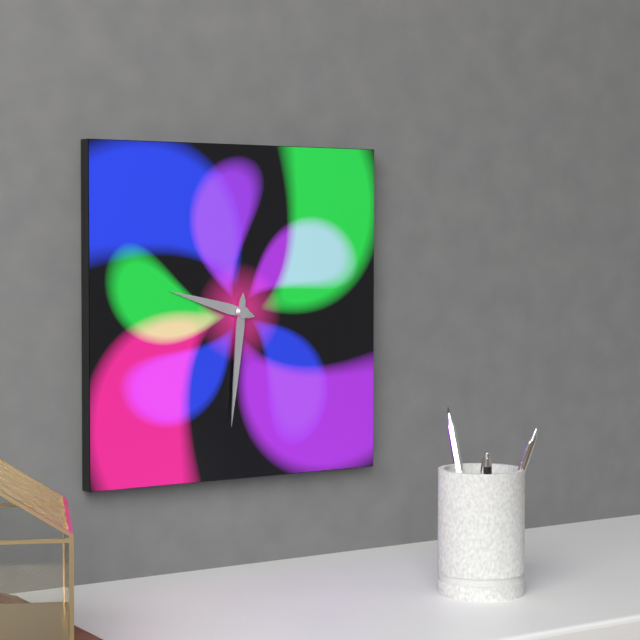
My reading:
**9:31**
